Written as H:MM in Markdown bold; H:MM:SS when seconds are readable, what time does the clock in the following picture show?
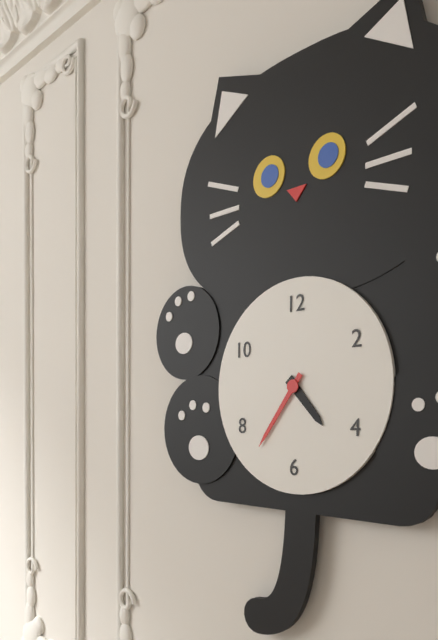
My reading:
**4:36**
